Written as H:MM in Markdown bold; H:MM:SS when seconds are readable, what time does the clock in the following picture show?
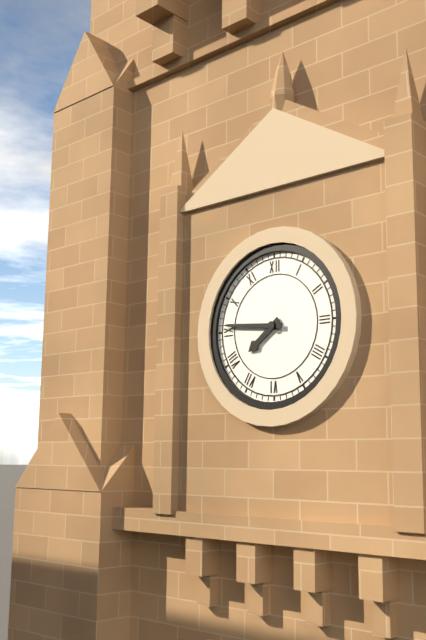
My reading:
**7:46**
